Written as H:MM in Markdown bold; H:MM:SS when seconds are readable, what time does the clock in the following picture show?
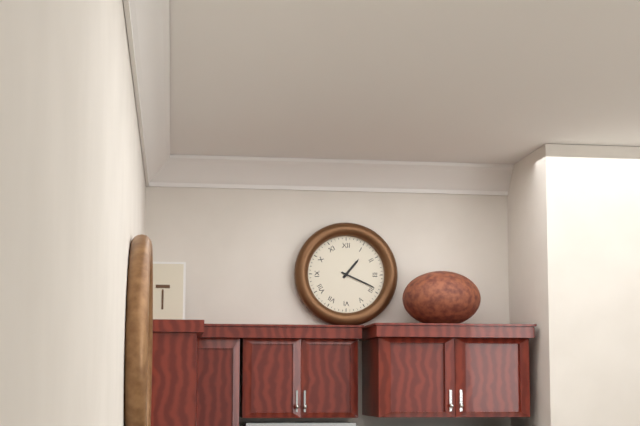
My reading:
**1:19**
